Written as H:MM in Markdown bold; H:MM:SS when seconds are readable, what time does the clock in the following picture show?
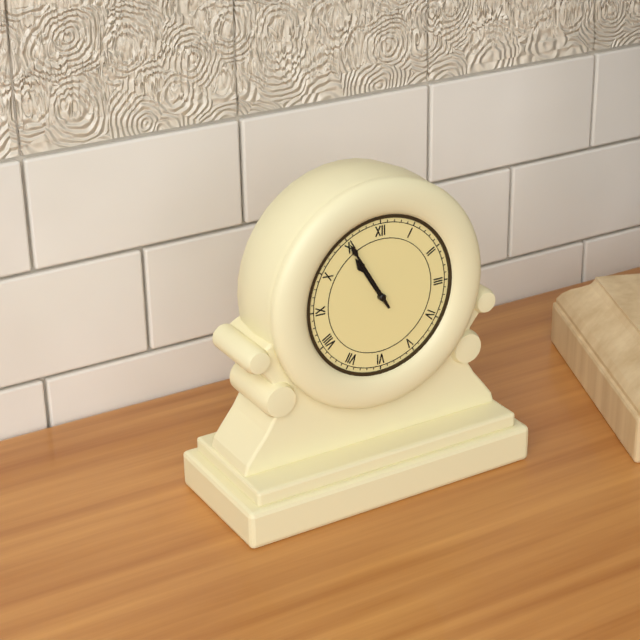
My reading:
**10:55**
